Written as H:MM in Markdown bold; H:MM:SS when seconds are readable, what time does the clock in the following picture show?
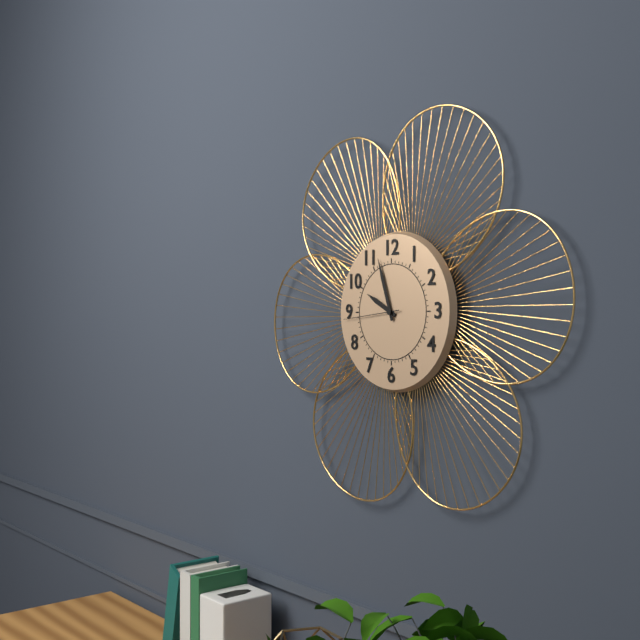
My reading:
**9:57:44**
